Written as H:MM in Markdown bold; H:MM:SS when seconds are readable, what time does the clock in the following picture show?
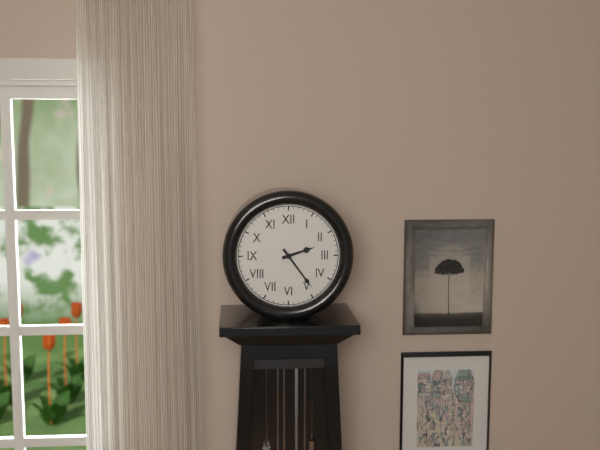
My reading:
**2:24**
